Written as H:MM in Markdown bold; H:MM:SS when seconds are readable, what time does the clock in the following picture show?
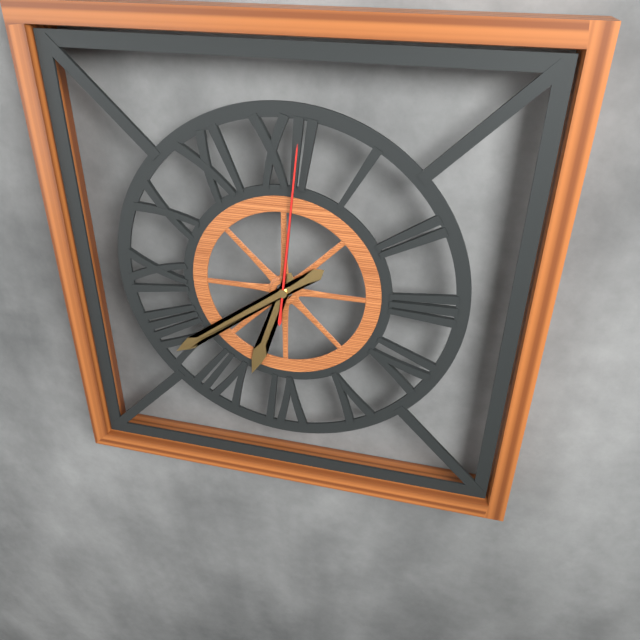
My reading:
**6:39:01**
